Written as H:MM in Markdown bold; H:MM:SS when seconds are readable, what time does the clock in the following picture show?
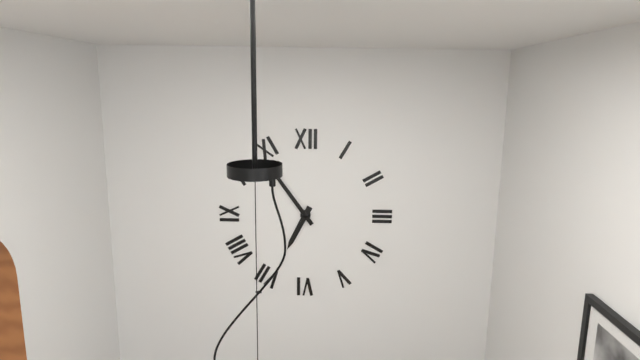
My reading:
**6:54**
